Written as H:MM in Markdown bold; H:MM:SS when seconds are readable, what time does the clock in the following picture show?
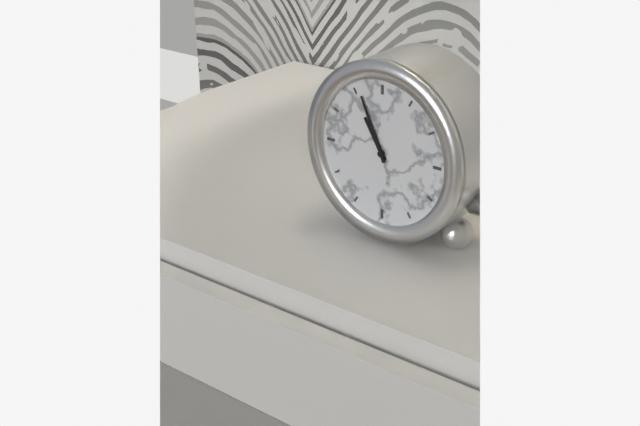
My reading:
**10:56**
